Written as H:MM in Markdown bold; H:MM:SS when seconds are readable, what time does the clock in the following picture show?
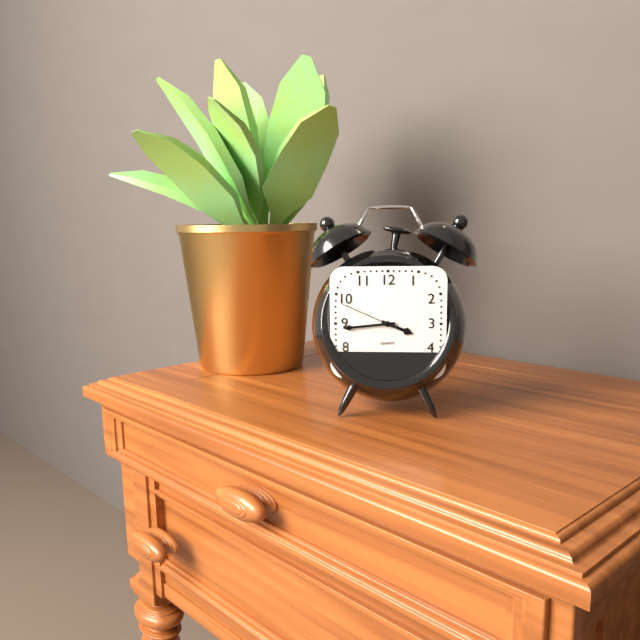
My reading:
**3:44:49**
